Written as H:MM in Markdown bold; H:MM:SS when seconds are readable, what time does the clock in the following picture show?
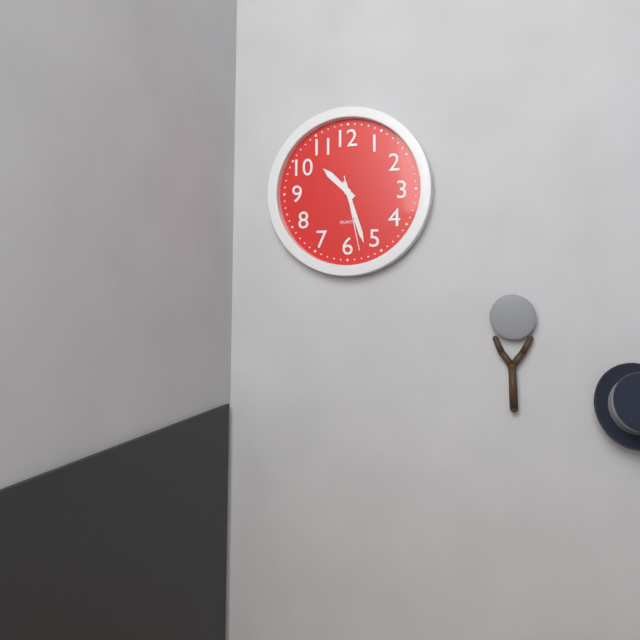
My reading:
**10:27:28**
